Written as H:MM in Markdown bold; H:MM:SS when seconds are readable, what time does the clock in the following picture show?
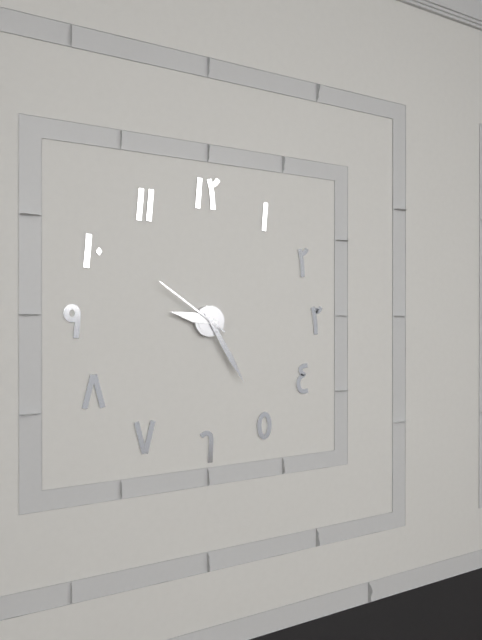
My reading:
**9:25:51**
